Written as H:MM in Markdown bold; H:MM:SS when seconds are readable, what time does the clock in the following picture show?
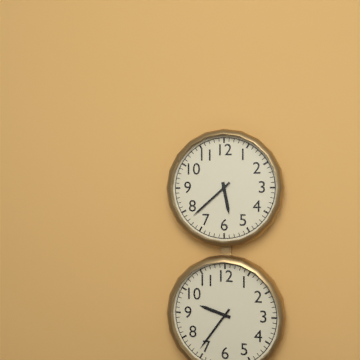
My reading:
**5:38**
